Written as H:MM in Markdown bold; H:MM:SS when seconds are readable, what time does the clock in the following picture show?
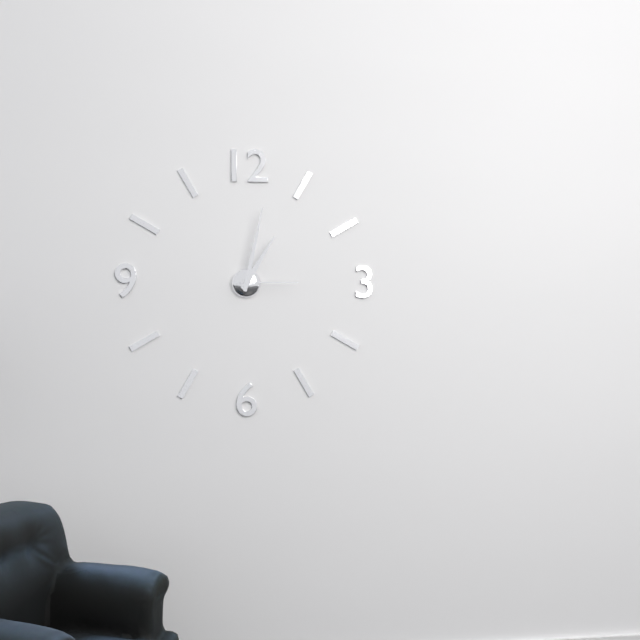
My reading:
**1:02:15**
